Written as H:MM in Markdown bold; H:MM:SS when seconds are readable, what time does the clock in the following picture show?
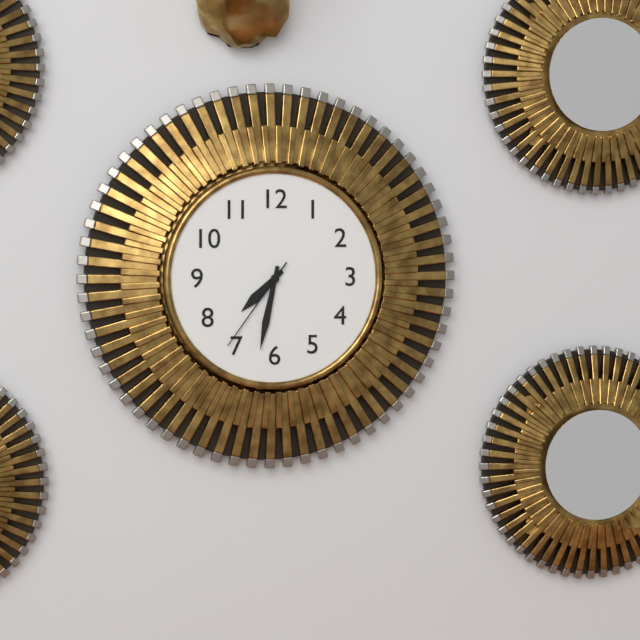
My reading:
**7:32:36**
